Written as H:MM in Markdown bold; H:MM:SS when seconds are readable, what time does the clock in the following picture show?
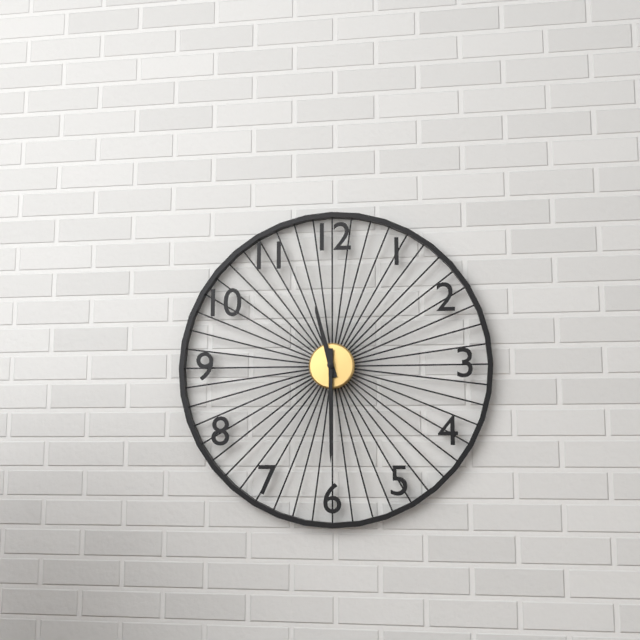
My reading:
**11:30**
